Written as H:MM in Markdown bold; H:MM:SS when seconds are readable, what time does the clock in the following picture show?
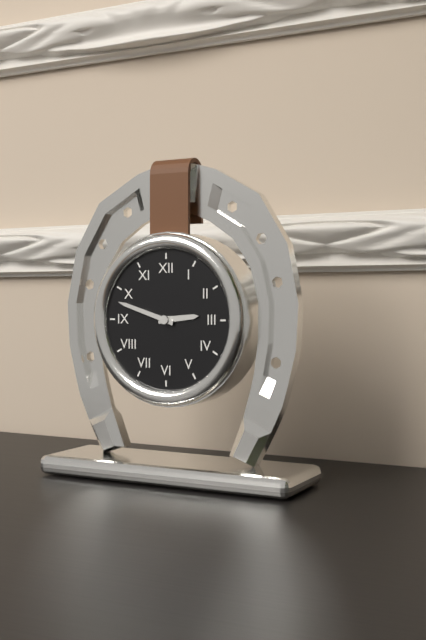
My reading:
**2:48**
